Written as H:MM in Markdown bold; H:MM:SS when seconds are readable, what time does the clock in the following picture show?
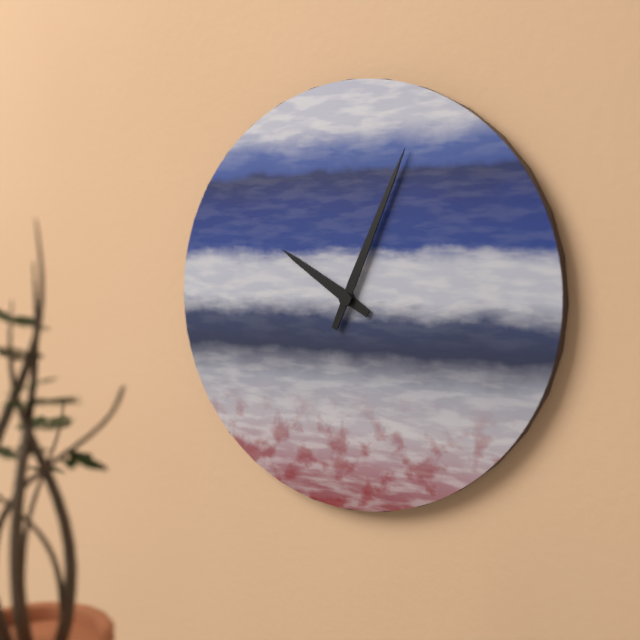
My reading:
**10:04**
